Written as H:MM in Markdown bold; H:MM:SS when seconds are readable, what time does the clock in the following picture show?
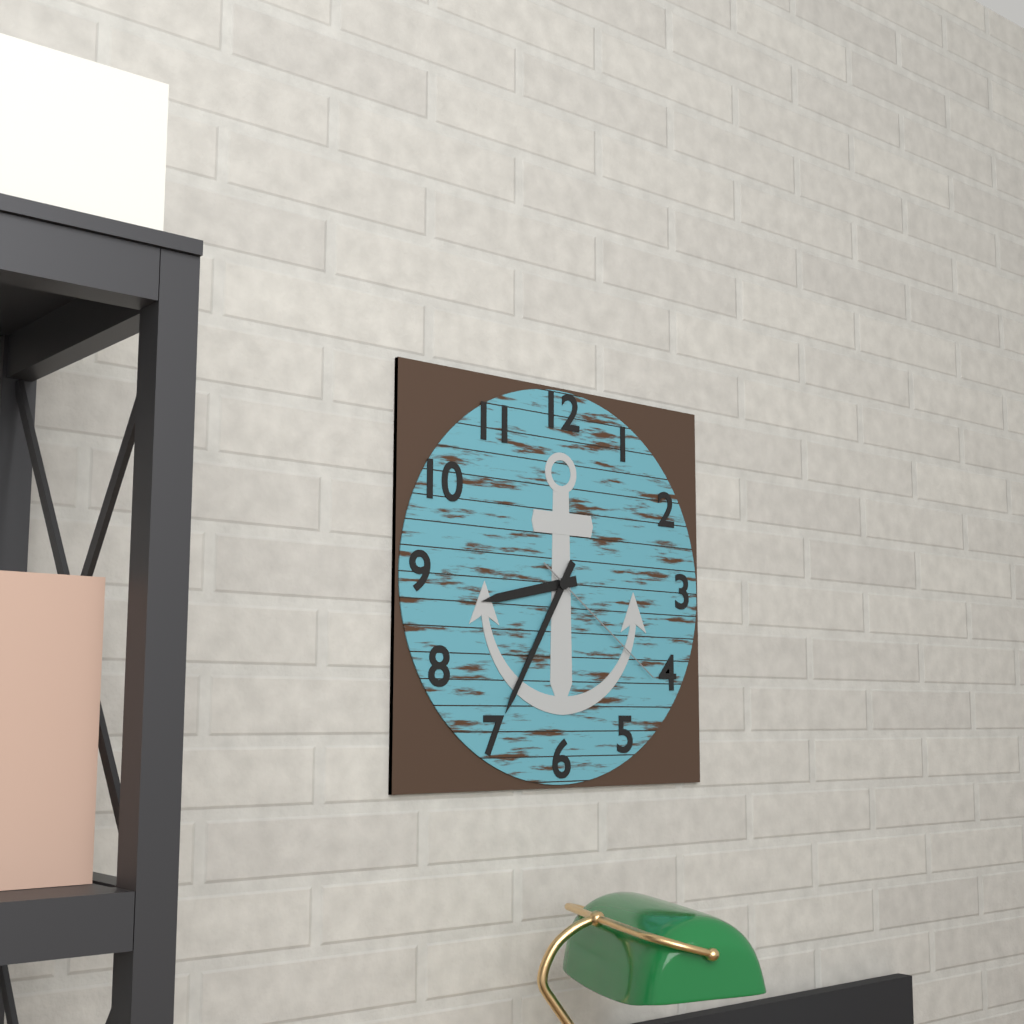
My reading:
**8:35:21**
